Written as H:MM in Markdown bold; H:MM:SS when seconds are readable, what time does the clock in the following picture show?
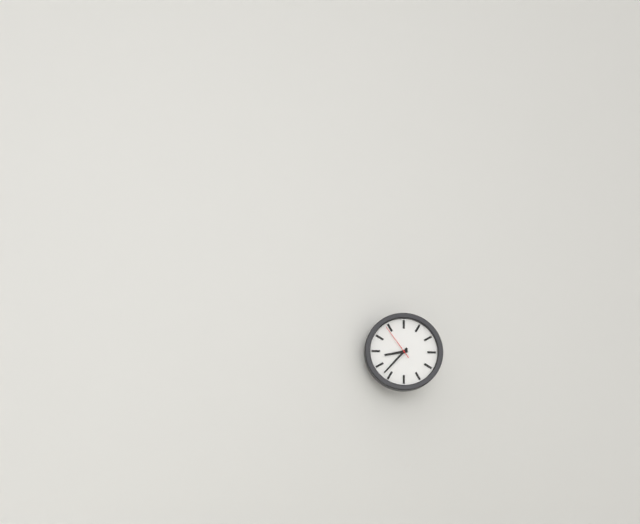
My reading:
**8:37**
